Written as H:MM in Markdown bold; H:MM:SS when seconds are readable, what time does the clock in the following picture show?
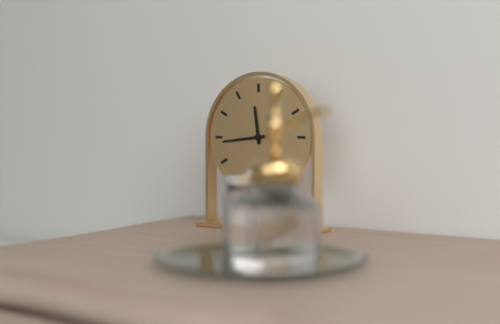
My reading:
**11:44**
